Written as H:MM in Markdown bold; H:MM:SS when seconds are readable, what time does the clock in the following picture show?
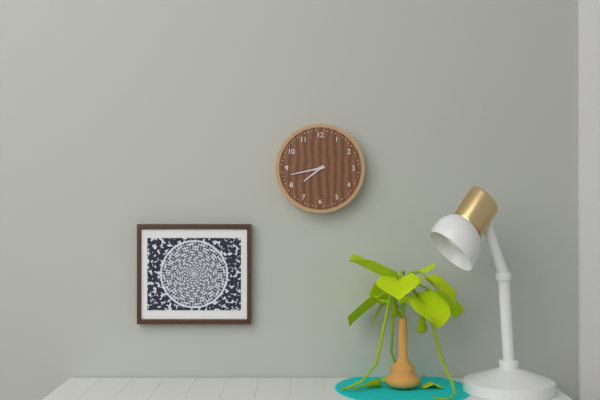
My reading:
**7:43**
